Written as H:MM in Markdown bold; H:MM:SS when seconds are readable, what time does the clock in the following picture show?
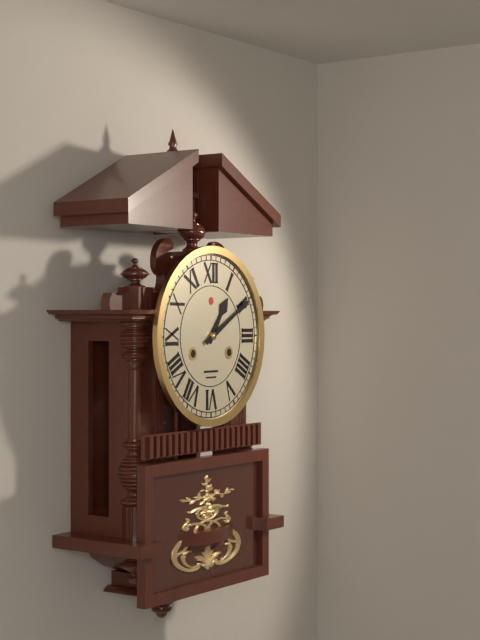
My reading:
**1:10**
